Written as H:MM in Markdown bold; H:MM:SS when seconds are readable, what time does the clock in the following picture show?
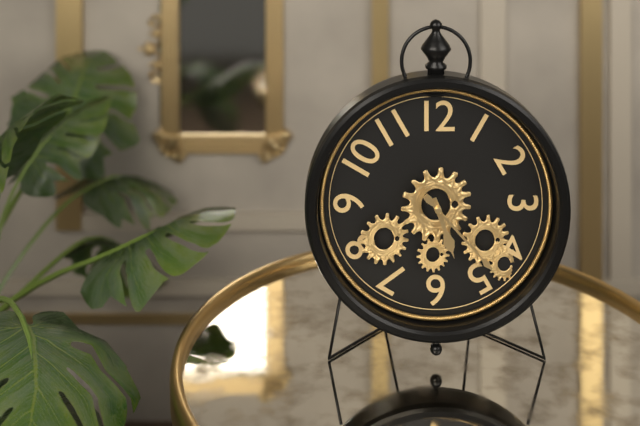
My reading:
**5:23**
